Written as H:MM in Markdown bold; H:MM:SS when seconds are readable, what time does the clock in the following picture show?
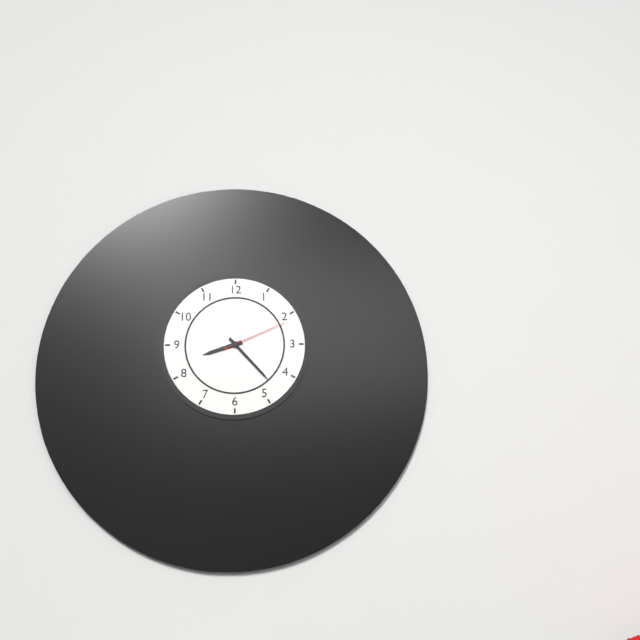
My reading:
**8:23:11**
